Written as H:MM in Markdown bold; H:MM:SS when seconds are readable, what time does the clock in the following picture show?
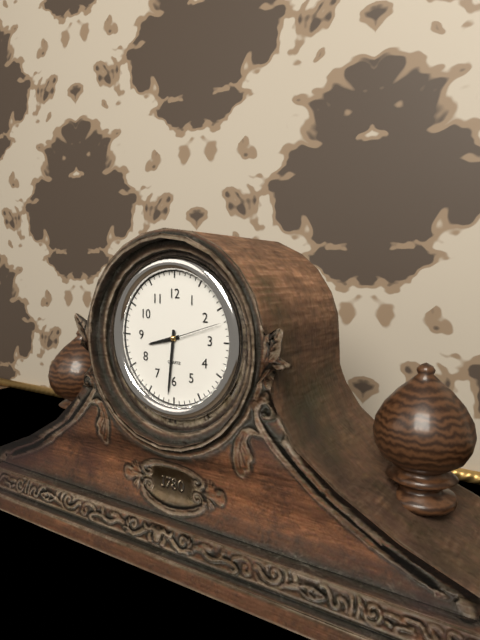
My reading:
**8:31:12**
